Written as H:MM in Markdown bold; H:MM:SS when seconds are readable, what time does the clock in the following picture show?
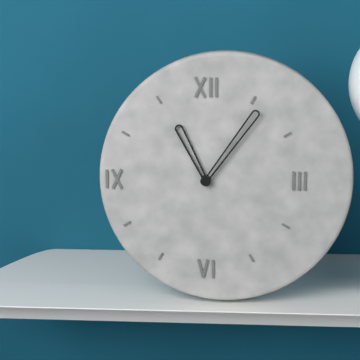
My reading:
**11:06**
